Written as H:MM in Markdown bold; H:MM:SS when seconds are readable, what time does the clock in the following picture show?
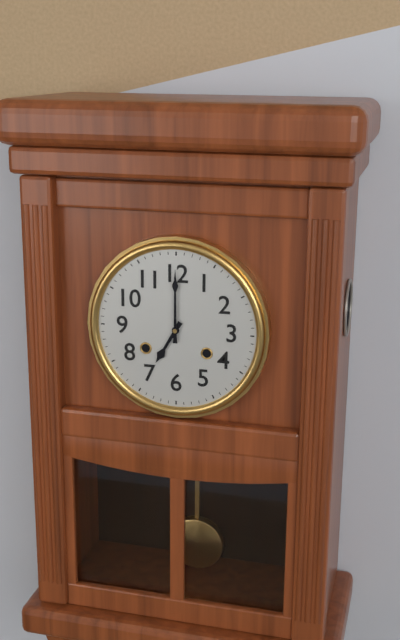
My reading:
**7:00**
